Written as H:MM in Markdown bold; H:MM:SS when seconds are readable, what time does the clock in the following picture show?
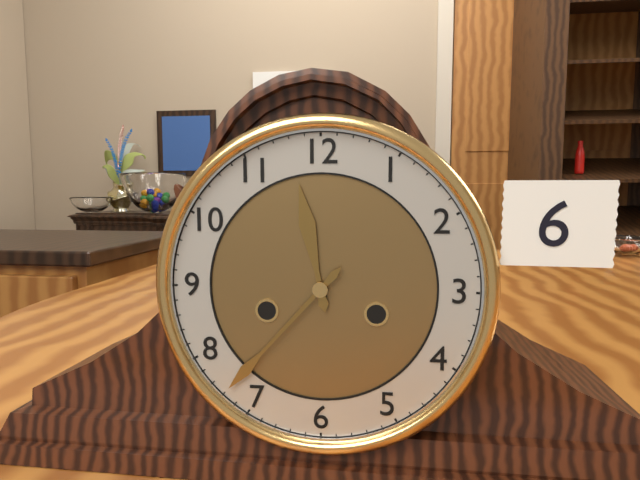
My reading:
**11:37**
